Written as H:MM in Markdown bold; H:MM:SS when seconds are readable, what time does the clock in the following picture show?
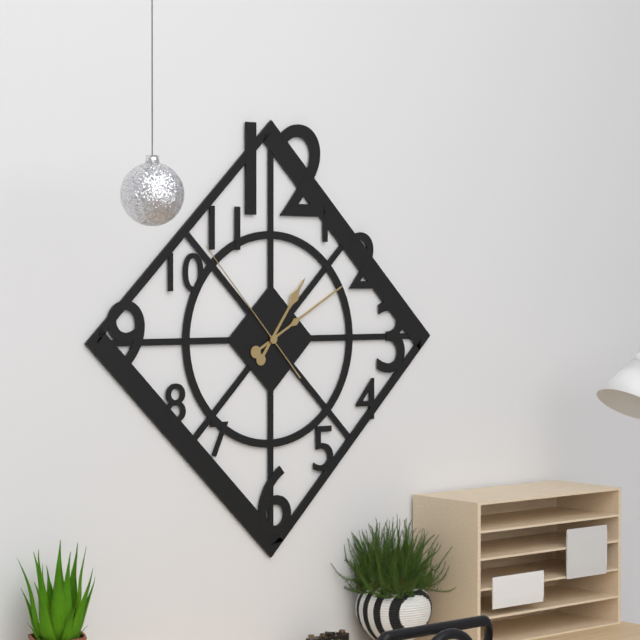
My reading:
**1:10:53**
